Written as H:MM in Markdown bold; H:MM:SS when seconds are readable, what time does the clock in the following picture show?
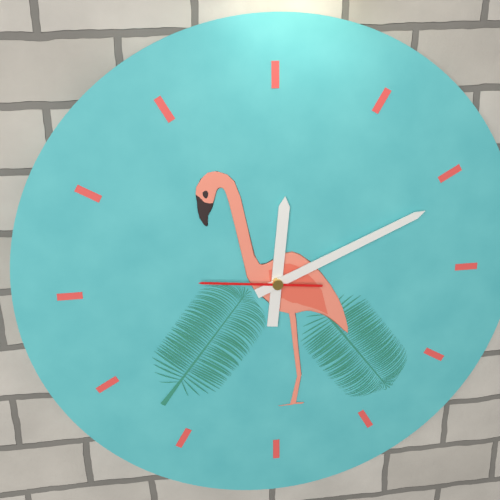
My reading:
**12:11:46**
